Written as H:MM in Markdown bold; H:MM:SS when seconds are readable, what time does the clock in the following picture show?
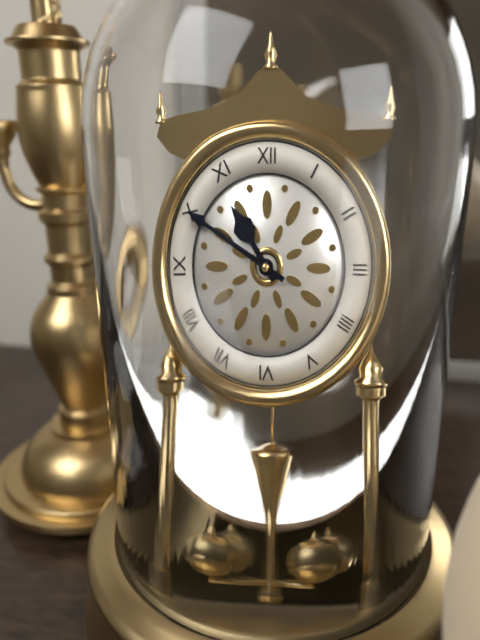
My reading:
**10:50**
